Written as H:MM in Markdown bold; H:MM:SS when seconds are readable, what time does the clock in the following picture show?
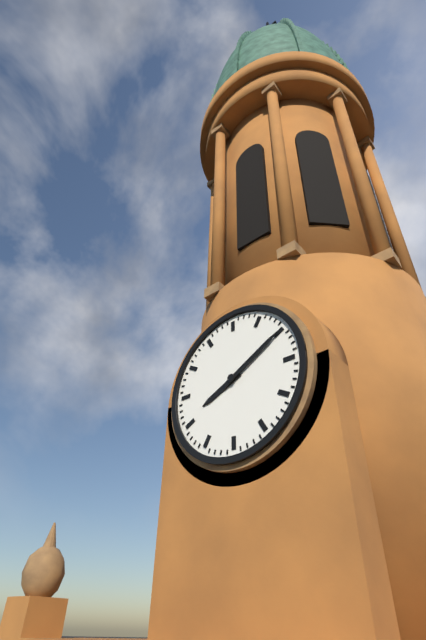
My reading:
**8:10**
